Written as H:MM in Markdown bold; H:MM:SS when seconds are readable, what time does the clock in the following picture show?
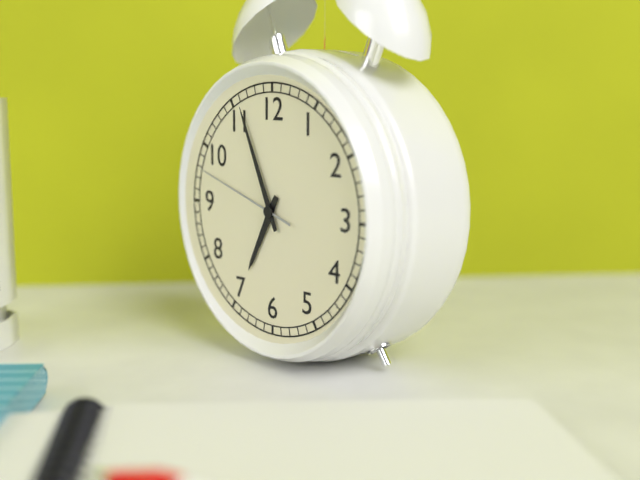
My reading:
**6:56:48**
